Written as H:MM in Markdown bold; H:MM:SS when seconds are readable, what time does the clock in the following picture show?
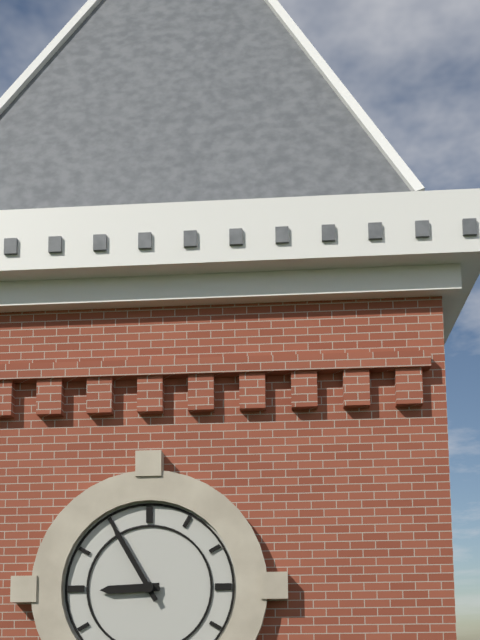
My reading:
**8:55**
